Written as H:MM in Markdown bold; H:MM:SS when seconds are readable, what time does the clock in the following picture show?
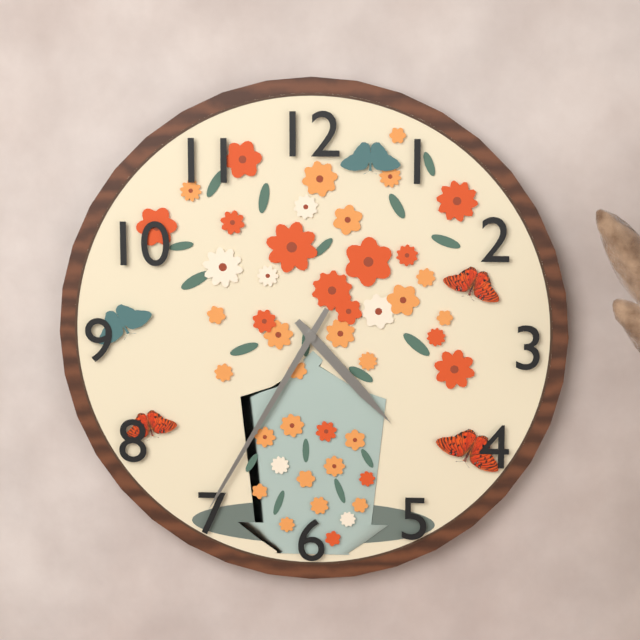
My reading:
**4:35**
